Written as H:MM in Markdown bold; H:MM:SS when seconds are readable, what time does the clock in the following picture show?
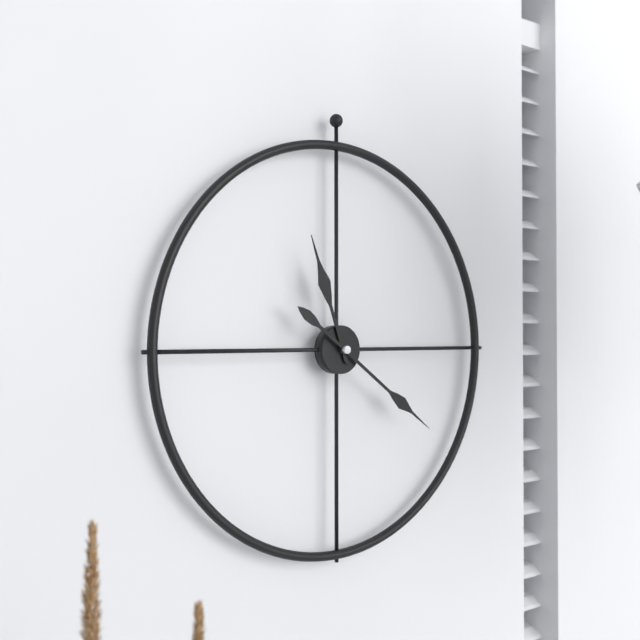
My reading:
**11:21**
